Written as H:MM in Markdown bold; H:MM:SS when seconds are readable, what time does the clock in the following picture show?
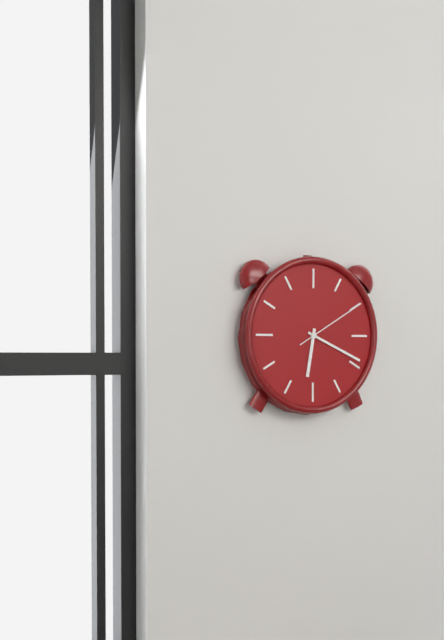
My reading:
**6:19:10**
